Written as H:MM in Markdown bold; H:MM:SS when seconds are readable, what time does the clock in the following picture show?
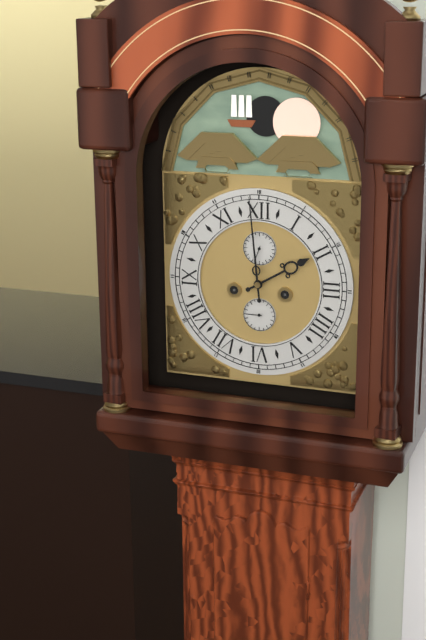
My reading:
**1:59**
